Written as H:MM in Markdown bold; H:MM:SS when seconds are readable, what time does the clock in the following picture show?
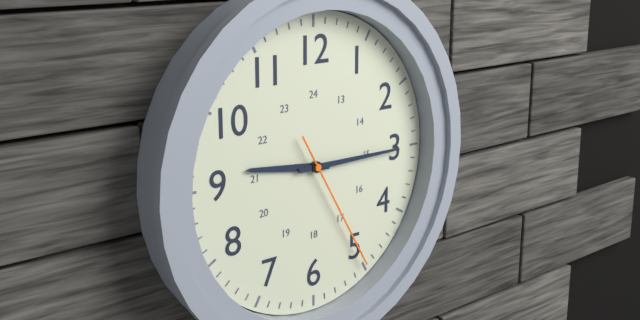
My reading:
**9:15:25**
